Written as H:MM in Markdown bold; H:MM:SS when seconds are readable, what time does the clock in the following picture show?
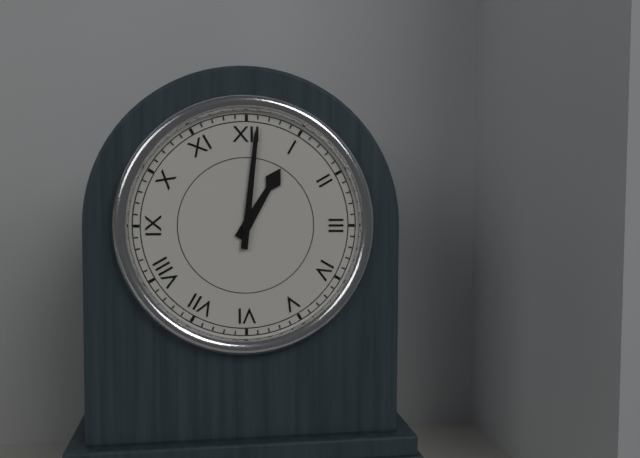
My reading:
**1:01**
